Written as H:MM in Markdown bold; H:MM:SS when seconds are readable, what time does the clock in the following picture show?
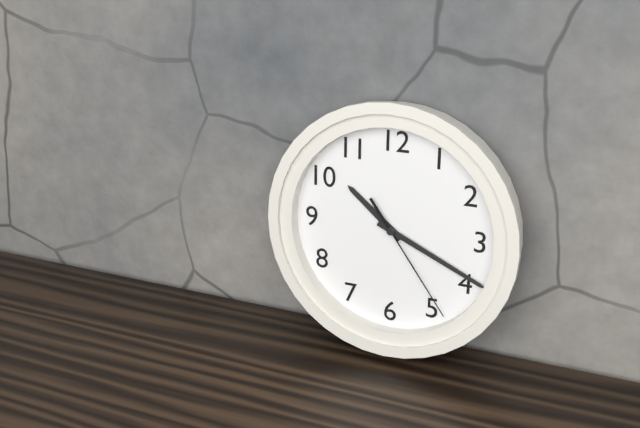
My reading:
**10:19:24**
